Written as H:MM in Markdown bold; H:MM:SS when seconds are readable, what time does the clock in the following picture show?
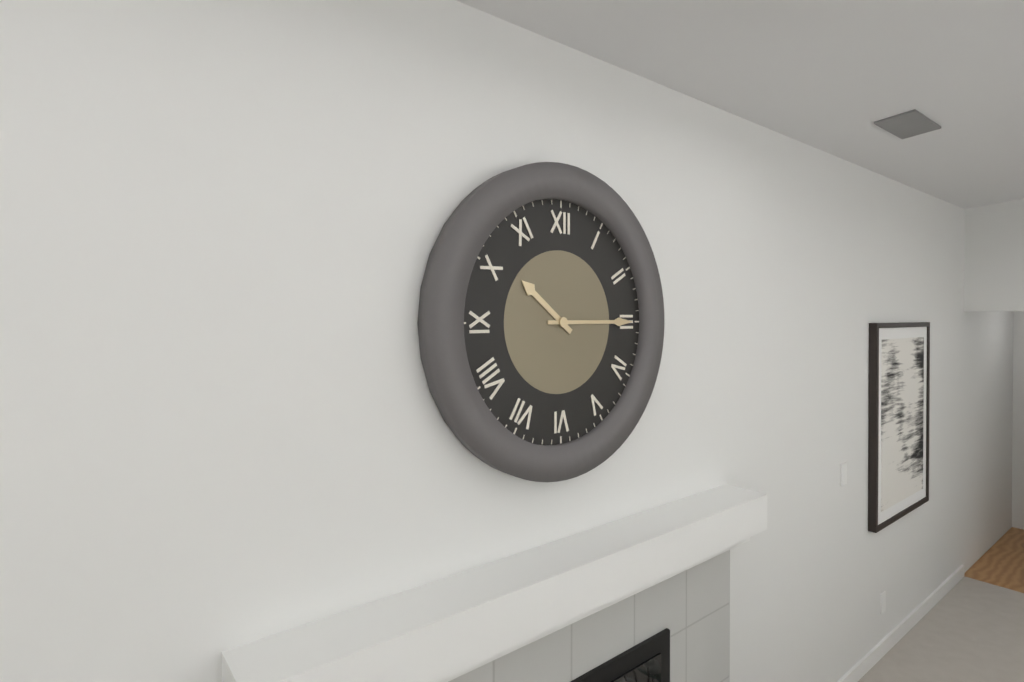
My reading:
**10:15**
